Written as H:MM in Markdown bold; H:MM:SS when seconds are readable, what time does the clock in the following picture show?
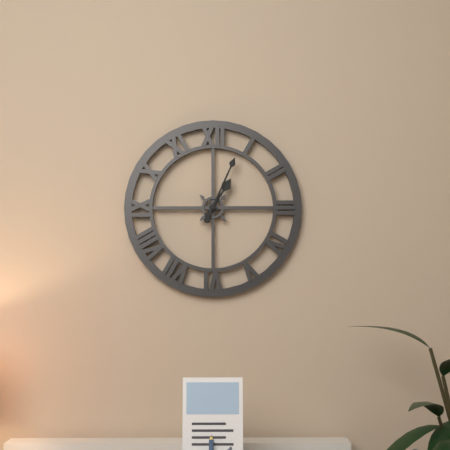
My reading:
**1:04**
